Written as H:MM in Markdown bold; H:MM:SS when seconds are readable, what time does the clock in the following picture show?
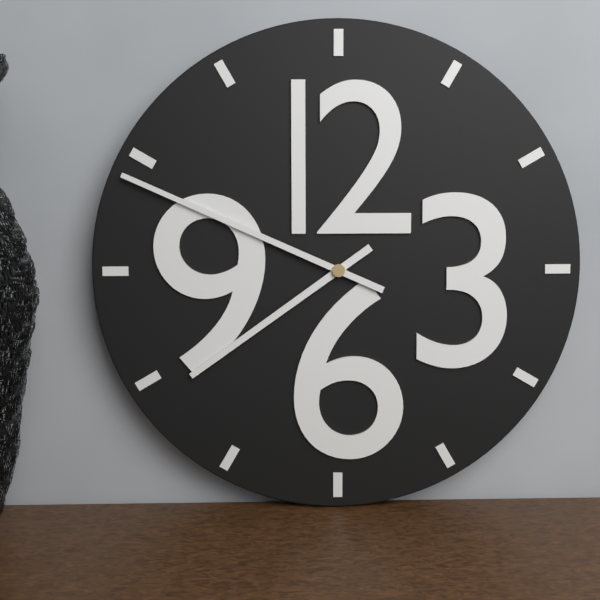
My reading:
**7:49**
